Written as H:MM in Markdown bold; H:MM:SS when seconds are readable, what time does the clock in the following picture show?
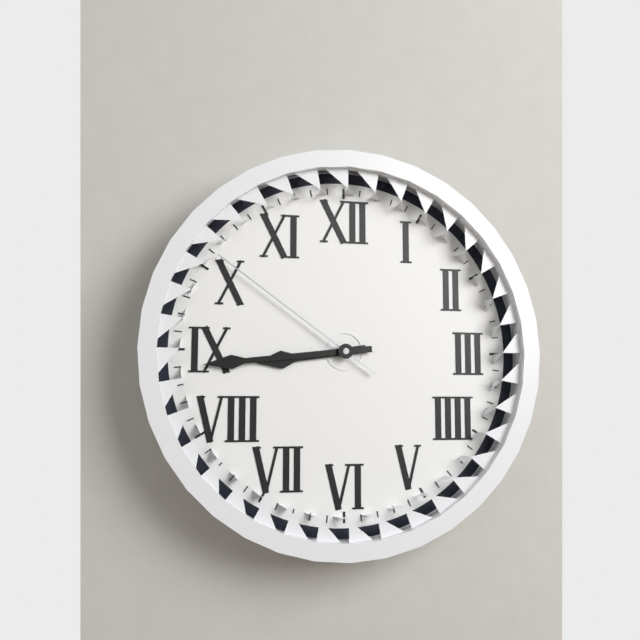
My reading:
**8:44:51**
